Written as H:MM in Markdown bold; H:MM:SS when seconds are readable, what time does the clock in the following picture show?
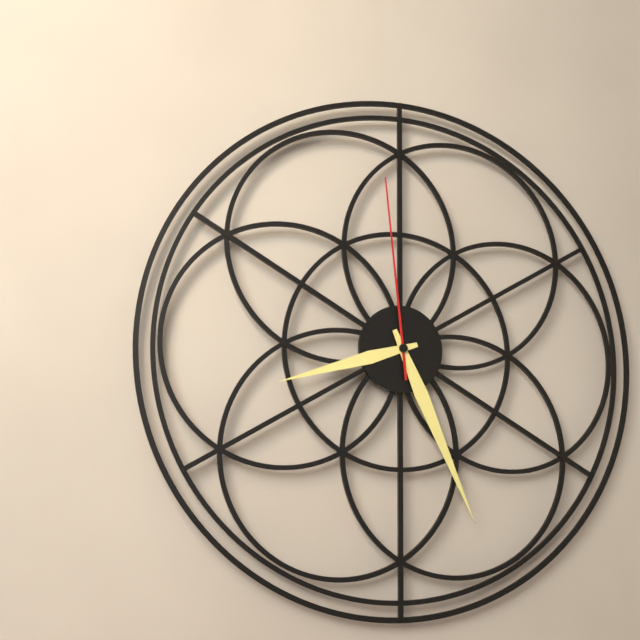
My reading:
**8:26:59**
